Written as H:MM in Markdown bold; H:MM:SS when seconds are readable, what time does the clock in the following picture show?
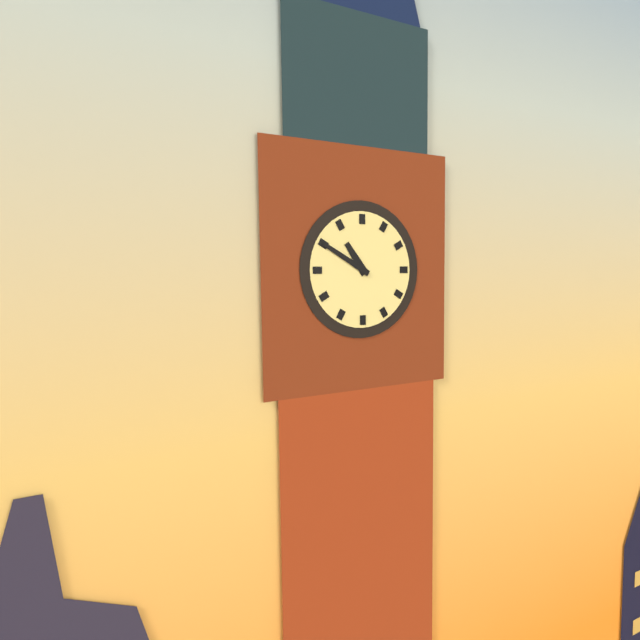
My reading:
**10:50**
